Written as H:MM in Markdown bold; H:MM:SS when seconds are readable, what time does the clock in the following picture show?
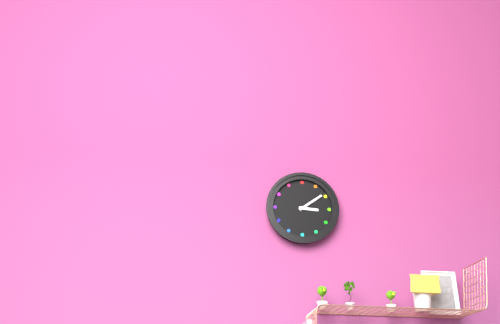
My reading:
**3:09**
